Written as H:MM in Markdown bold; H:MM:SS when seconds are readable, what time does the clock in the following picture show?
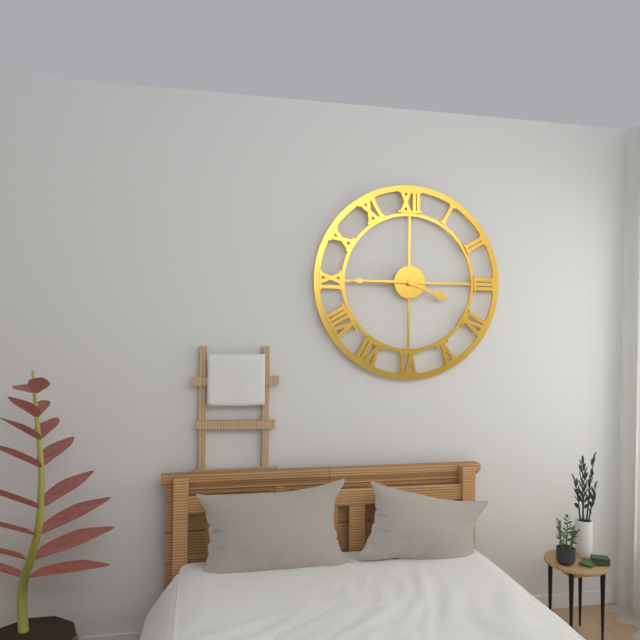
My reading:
**3:45**
